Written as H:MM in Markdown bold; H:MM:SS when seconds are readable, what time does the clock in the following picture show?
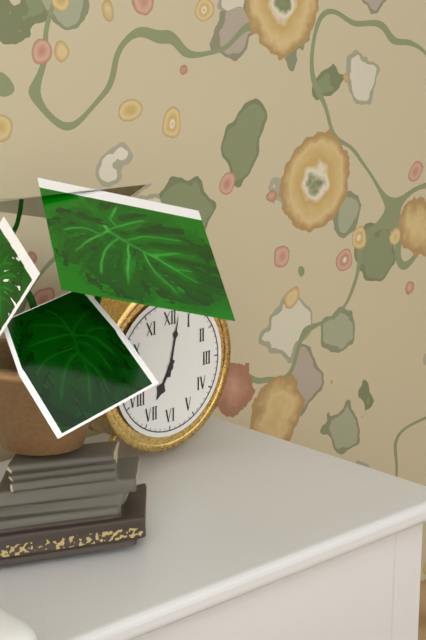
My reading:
**7:02**
